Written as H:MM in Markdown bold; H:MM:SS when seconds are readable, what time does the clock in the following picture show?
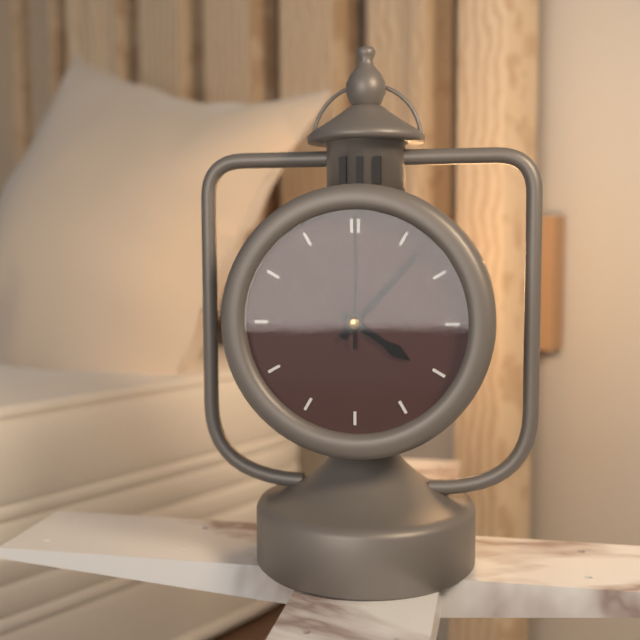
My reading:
**4:07:00**
